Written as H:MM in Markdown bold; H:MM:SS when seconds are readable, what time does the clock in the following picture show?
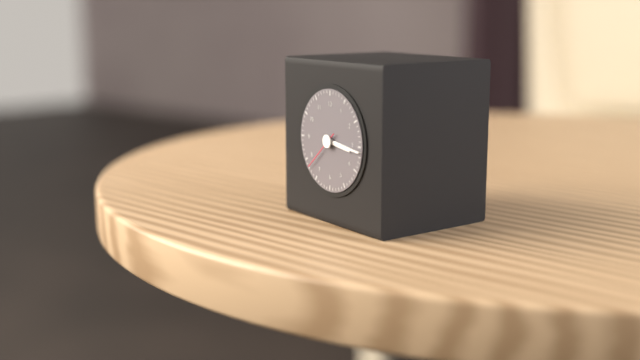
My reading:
**3:16**
